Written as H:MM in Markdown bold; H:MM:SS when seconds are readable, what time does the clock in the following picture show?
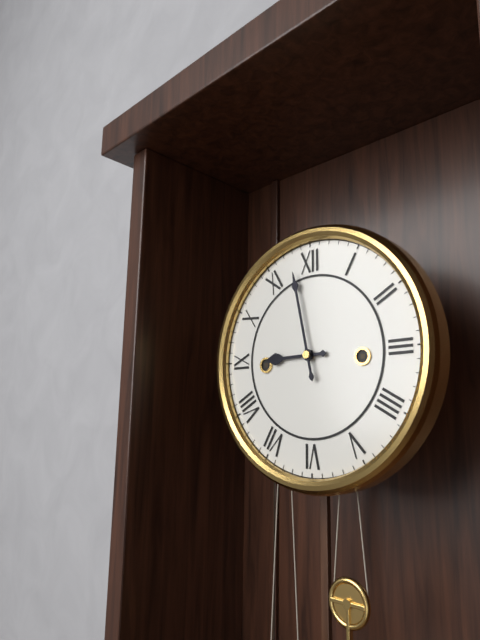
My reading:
**8:58**
